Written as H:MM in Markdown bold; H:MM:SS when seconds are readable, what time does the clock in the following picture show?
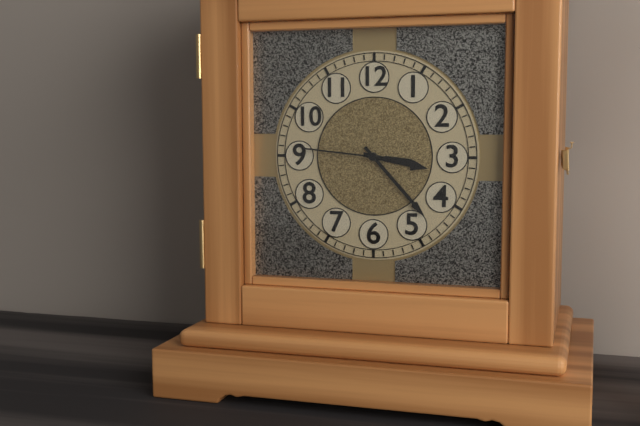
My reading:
**3:23:46**
